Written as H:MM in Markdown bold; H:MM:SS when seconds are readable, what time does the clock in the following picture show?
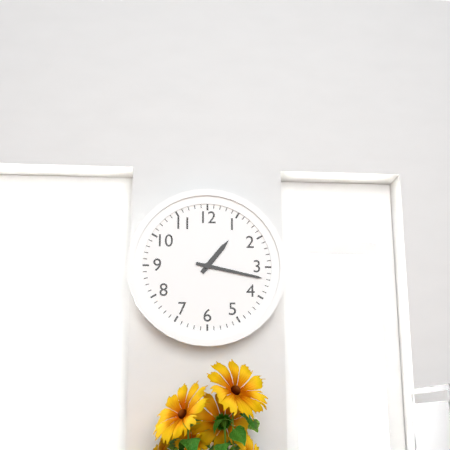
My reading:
**1:17**
